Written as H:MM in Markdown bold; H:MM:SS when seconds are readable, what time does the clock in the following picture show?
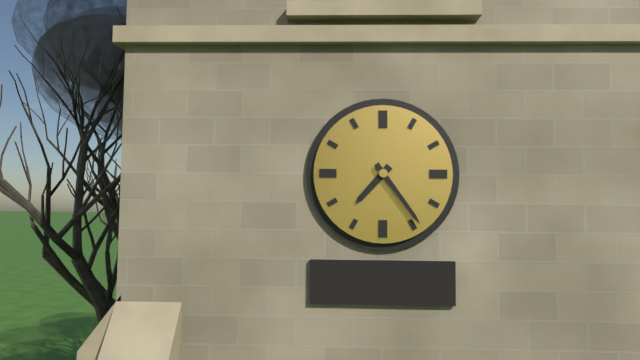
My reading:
**7:24**
